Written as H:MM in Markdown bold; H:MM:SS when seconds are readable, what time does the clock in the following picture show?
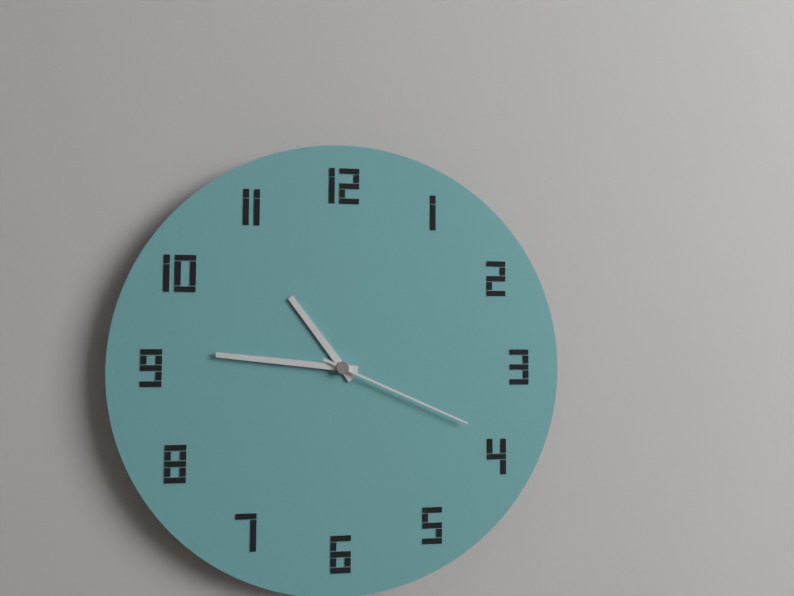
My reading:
**10:46:19**
